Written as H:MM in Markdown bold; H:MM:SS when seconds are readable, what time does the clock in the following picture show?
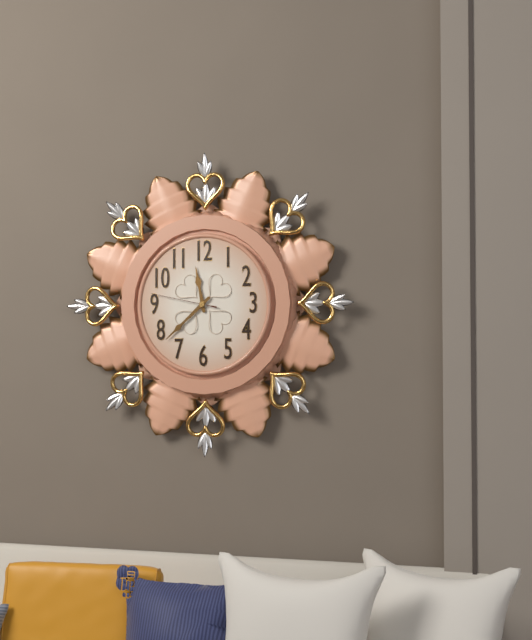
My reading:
**11:38:47**
